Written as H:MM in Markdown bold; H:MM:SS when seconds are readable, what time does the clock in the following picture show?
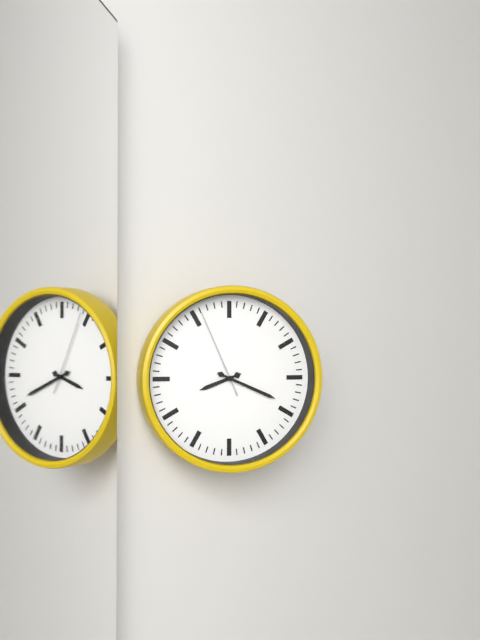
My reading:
**8:19:56**
